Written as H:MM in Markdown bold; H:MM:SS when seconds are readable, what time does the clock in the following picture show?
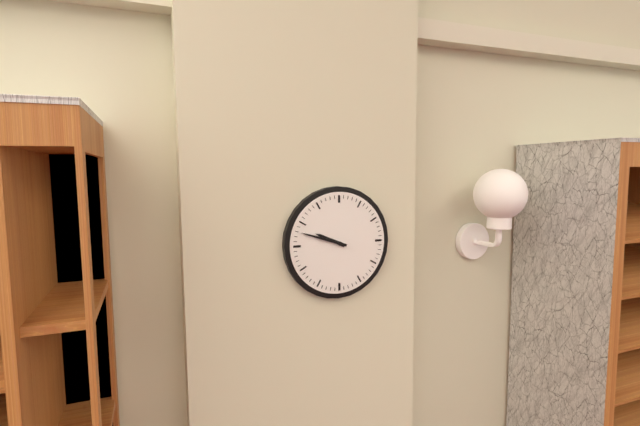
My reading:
**9:48**
